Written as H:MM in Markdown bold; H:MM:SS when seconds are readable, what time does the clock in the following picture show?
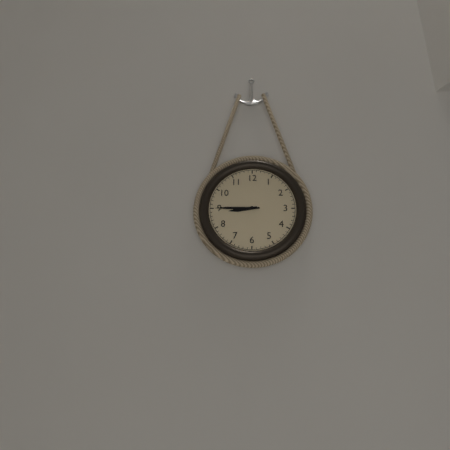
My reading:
**8:45**
